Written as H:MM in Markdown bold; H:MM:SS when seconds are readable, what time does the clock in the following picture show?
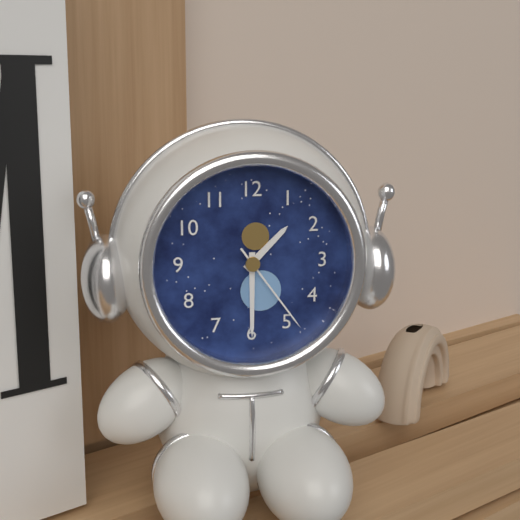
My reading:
**1:30:24**
